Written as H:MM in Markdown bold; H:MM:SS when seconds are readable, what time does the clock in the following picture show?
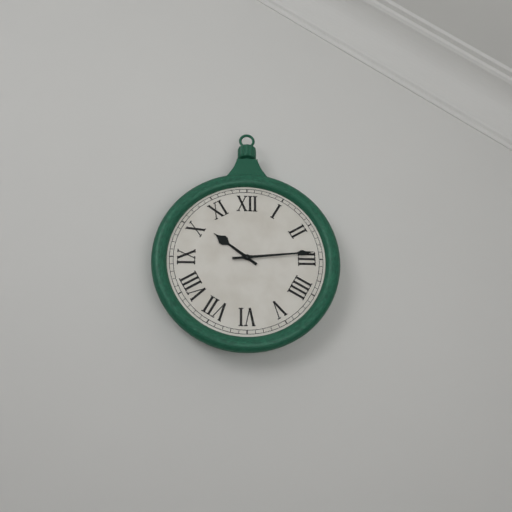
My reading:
**10:14**
